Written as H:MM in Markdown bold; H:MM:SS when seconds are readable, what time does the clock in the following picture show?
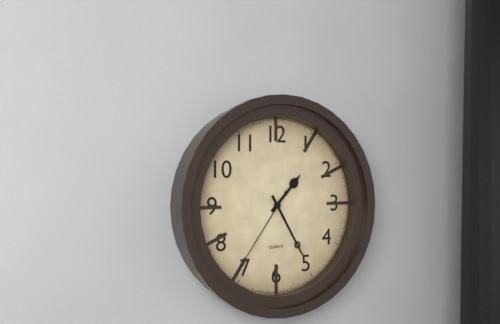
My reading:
**1:25:36**
